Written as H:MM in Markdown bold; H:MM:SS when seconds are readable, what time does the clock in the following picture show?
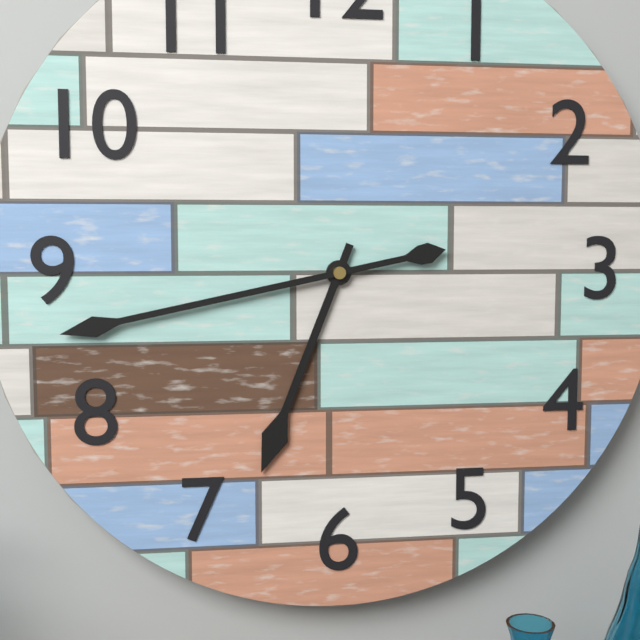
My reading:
**6:43**
